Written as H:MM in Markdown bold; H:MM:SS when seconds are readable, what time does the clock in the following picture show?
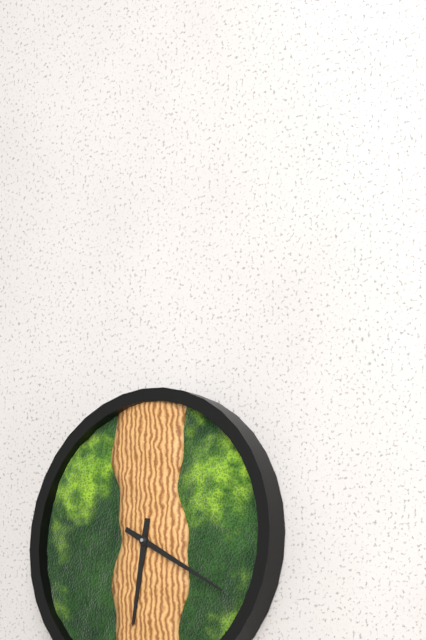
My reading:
**6:20**
